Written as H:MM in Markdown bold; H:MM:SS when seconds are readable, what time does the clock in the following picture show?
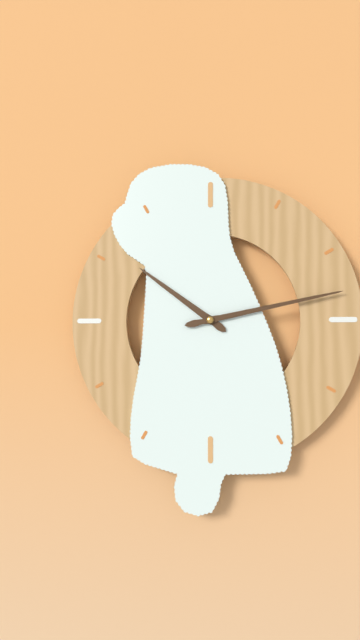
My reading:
**10:13**
